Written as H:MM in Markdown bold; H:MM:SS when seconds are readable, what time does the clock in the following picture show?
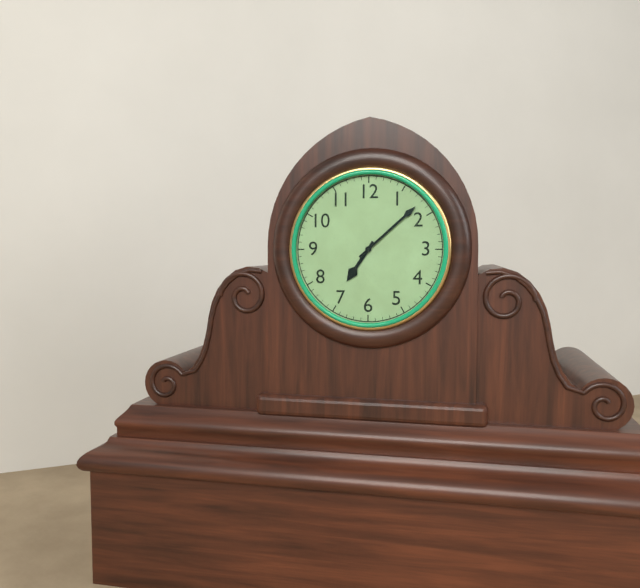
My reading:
**7:08**
